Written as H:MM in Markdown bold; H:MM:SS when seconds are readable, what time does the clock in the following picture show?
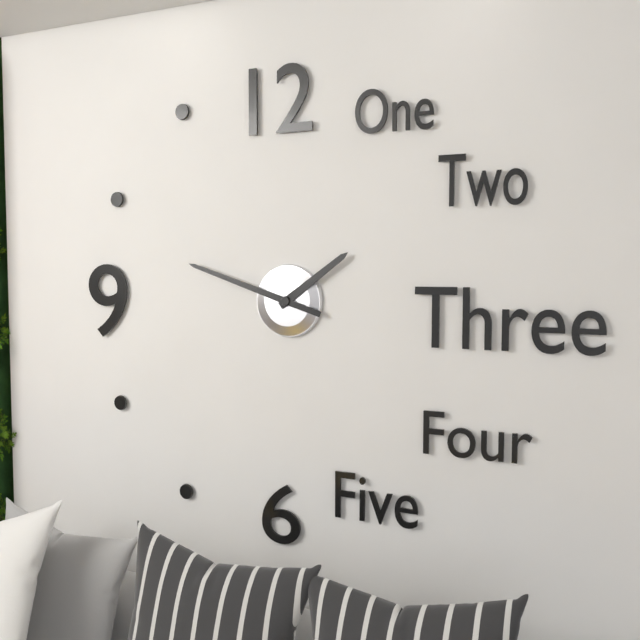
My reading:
**1:48**
